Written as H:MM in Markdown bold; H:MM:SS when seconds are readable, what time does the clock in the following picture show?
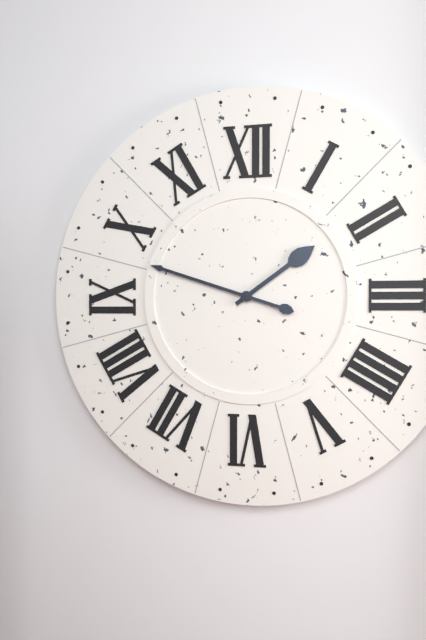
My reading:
**1:48**
